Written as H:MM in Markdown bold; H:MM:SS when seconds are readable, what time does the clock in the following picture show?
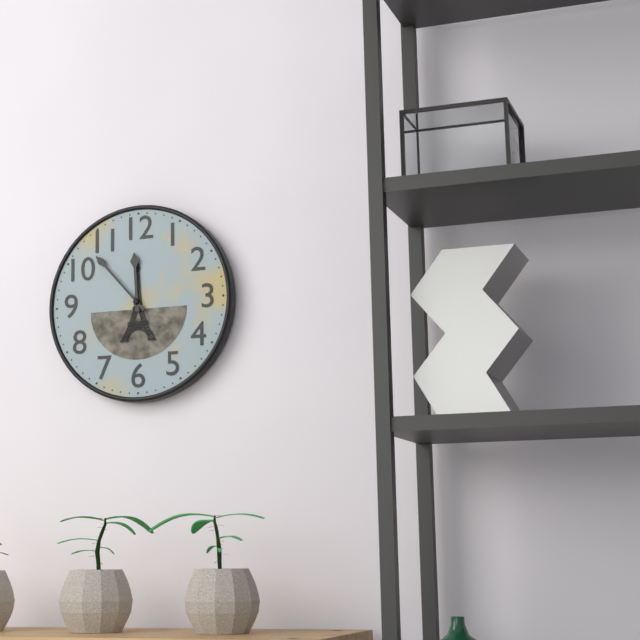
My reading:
**11:53**
